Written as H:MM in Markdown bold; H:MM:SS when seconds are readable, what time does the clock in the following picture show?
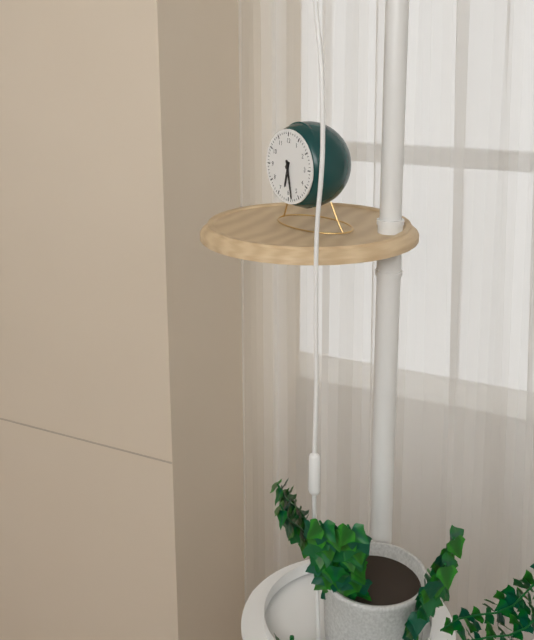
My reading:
**6:28**
